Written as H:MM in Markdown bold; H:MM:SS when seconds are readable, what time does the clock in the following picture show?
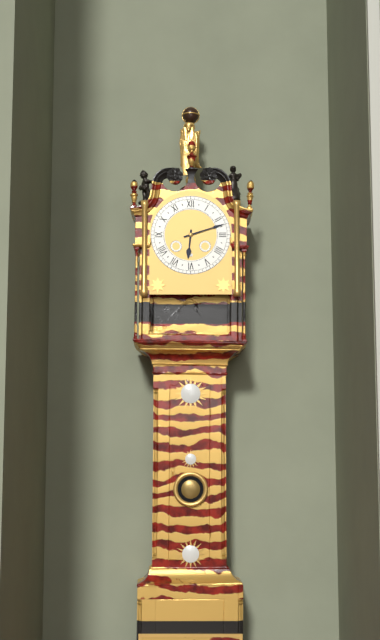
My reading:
**6:12**
